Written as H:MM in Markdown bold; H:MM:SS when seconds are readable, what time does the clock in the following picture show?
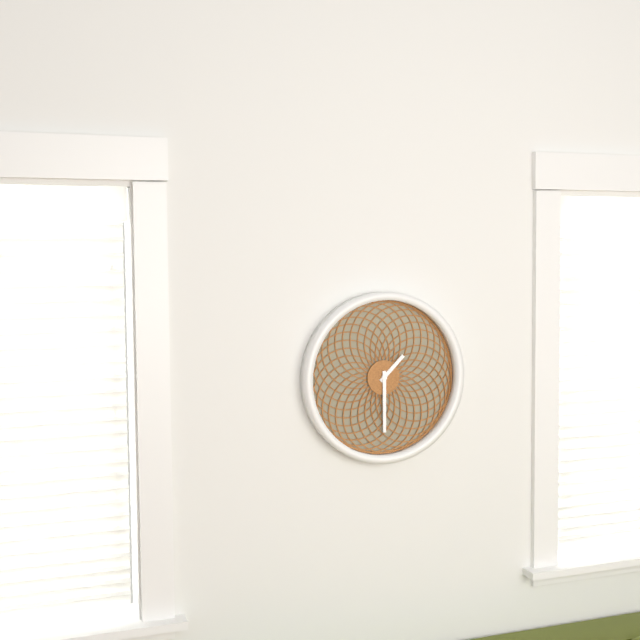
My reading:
**1:30**
